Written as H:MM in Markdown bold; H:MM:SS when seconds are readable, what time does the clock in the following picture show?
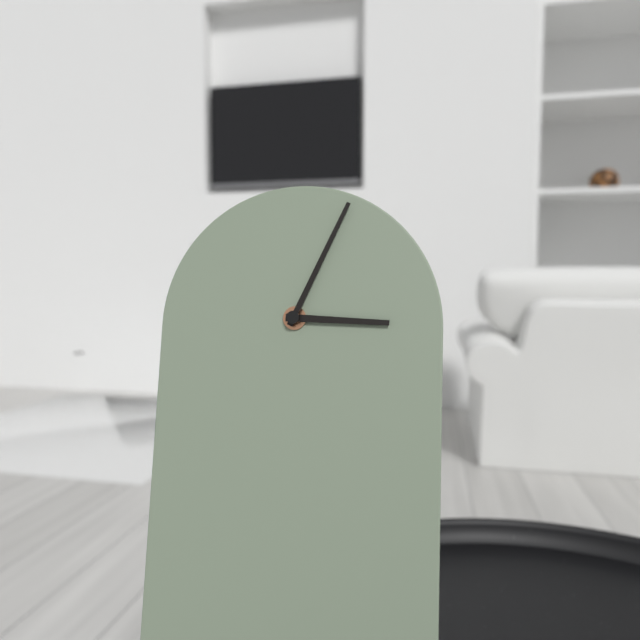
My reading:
**3:04**
